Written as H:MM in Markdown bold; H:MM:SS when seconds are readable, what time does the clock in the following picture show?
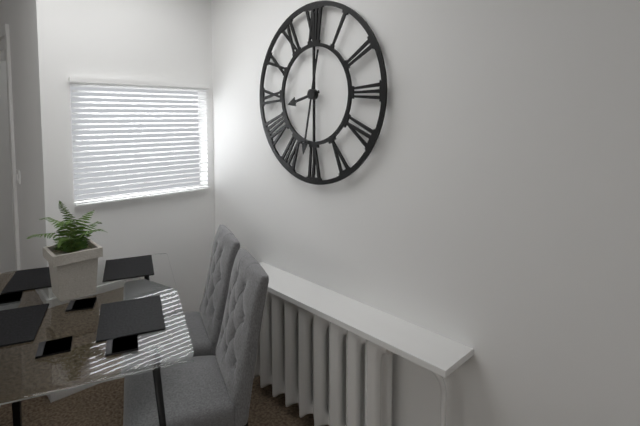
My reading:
**8:32**
